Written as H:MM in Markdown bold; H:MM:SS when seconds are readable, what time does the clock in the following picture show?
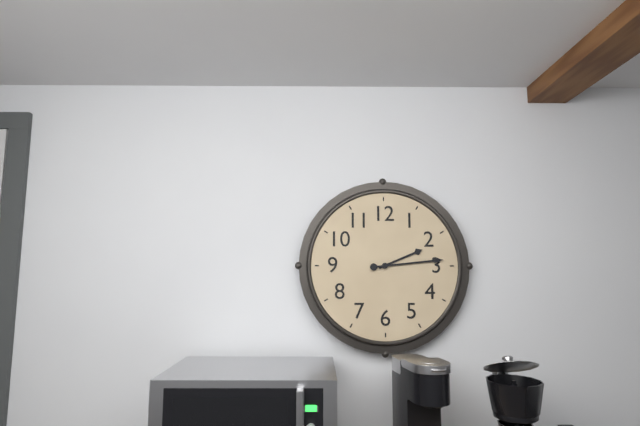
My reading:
**2:14**
